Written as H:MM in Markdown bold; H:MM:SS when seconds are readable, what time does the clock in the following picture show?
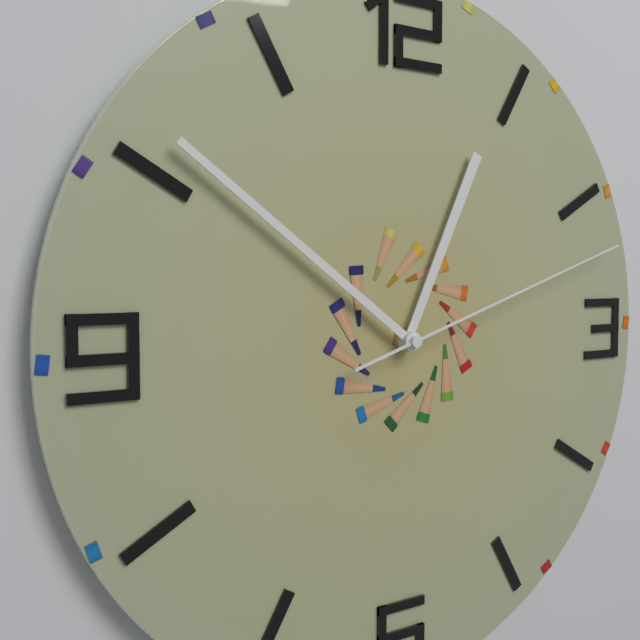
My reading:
**12:51:12**
